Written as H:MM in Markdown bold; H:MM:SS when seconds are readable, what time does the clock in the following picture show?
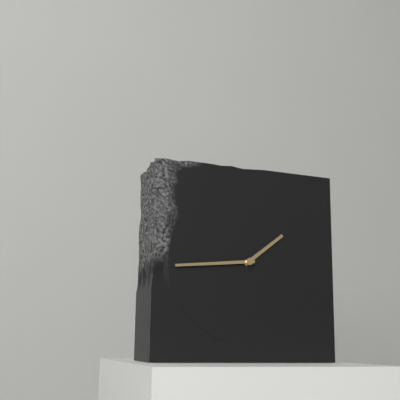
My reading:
**1:44**
